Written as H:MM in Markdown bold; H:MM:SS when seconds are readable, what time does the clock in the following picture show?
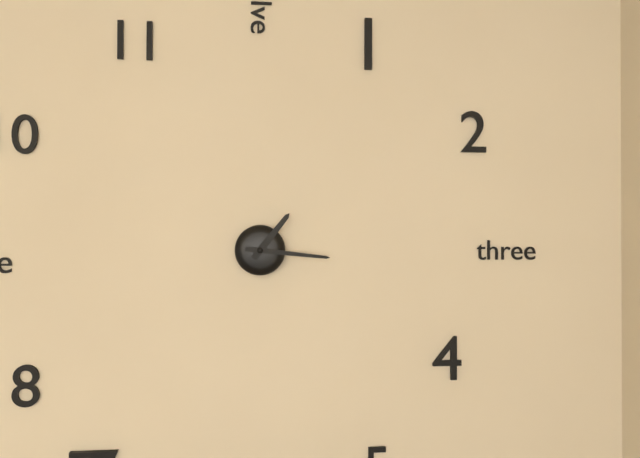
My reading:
**1:16**
